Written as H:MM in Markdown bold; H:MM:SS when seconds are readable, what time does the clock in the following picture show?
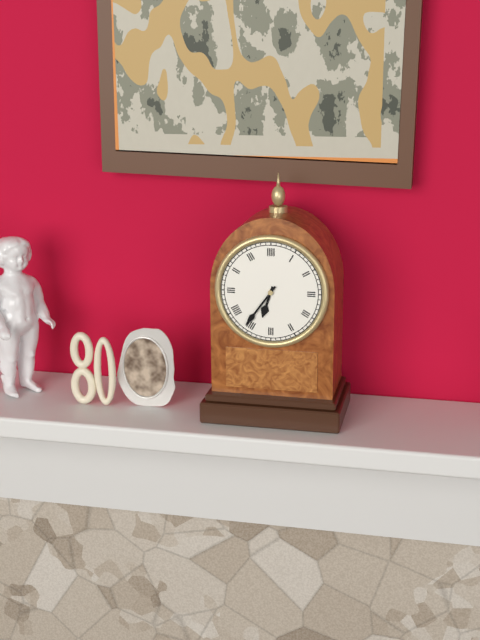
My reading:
**6:36**
